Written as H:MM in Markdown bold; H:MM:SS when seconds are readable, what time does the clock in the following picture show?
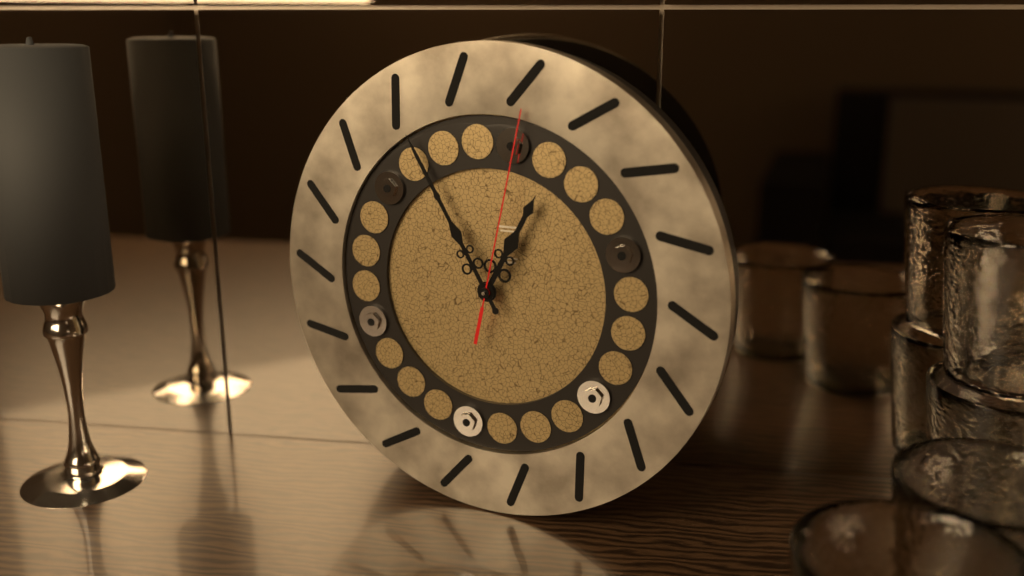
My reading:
**12:55:02**
